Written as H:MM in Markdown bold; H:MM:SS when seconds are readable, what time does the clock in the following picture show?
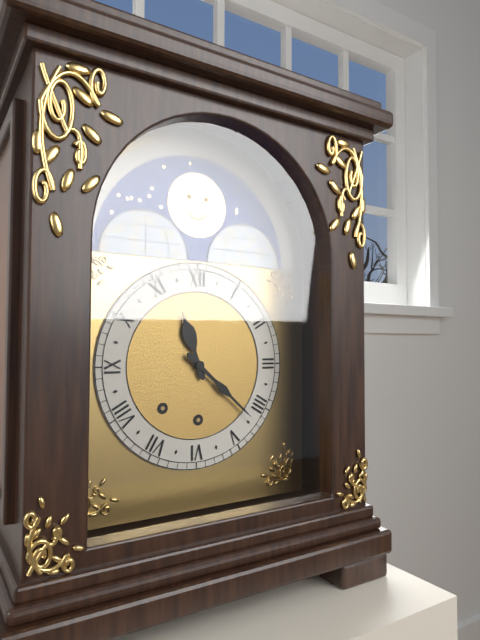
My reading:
**11:22**
